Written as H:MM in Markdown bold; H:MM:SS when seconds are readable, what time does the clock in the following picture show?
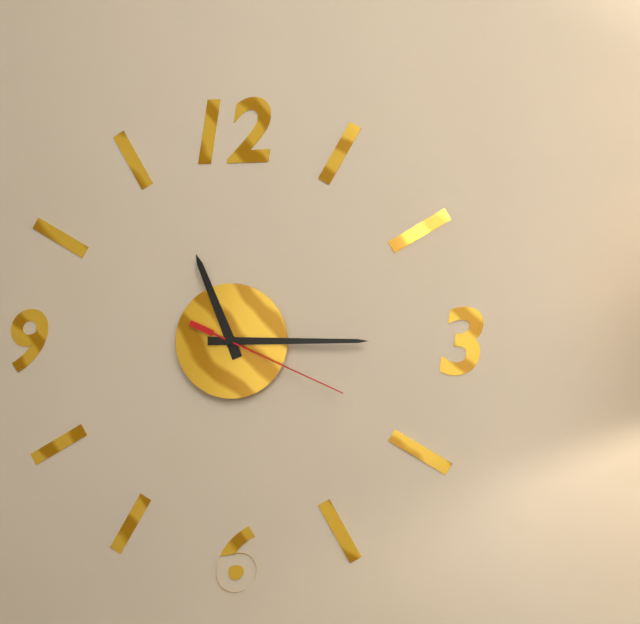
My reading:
**11:15:19**
